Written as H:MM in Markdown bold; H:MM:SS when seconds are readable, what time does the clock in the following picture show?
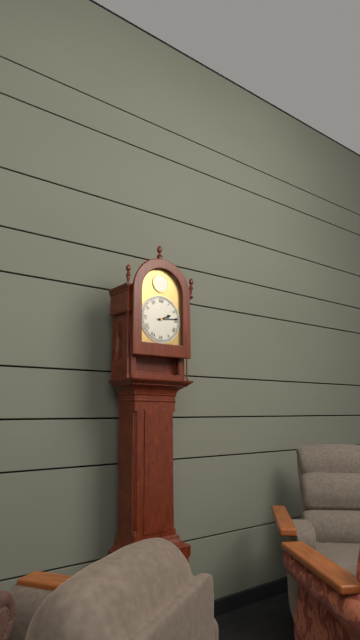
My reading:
**2:14**
